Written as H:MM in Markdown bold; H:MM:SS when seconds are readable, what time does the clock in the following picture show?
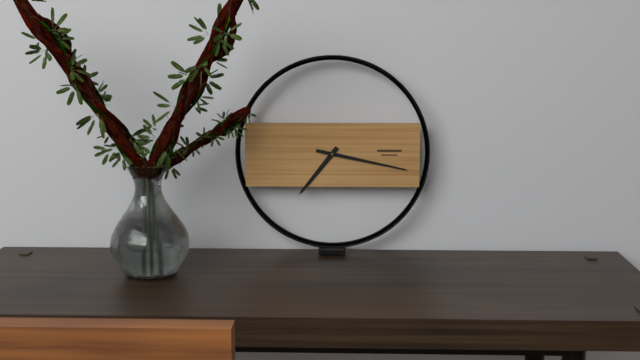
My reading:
**7:17**
